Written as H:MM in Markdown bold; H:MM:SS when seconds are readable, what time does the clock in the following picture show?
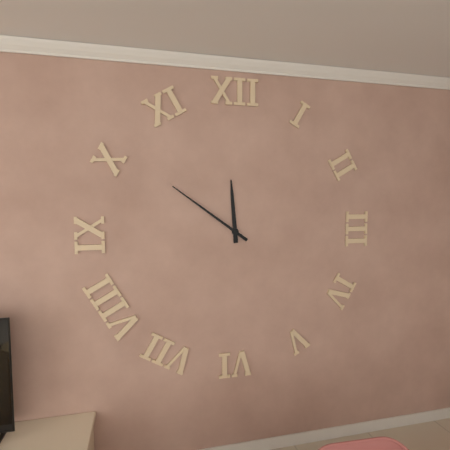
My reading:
**11:51**
